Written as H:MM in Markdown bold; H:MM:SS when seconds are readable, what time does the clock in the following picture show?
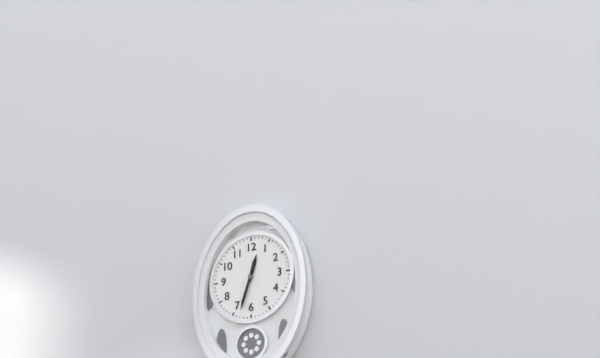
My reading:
**12:33**
